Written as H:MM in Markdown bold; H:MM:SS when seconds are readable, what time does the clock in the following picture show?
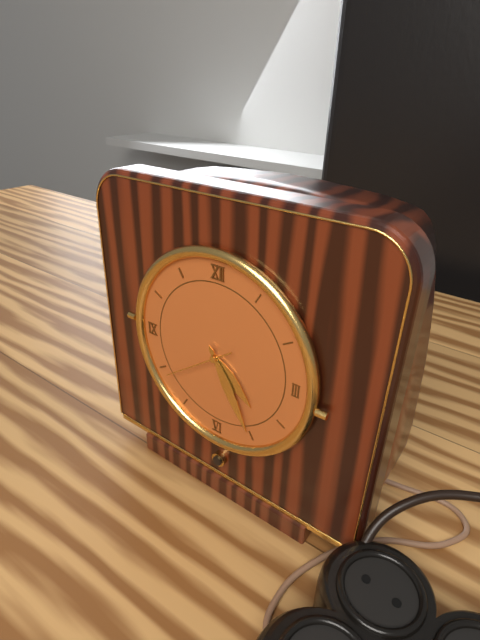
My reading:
**4:25:39**
